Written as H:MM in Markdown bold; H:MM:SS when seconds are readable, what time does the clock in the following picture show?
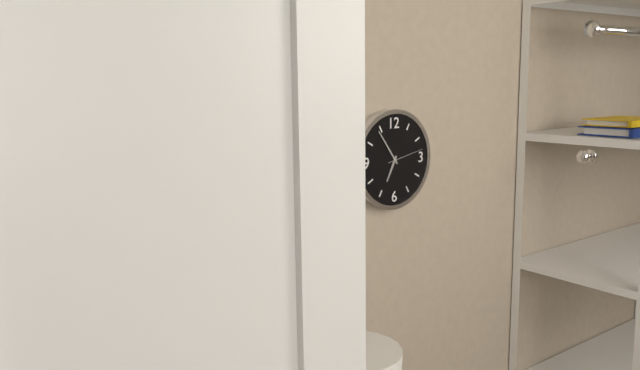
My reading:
**6:54**
